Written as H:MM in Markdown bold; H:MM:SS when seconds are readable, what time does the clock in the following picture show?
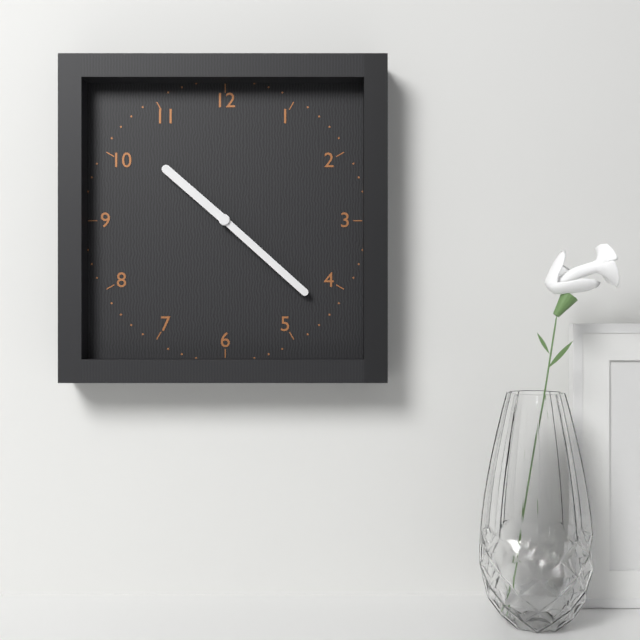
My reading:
**10:22**
